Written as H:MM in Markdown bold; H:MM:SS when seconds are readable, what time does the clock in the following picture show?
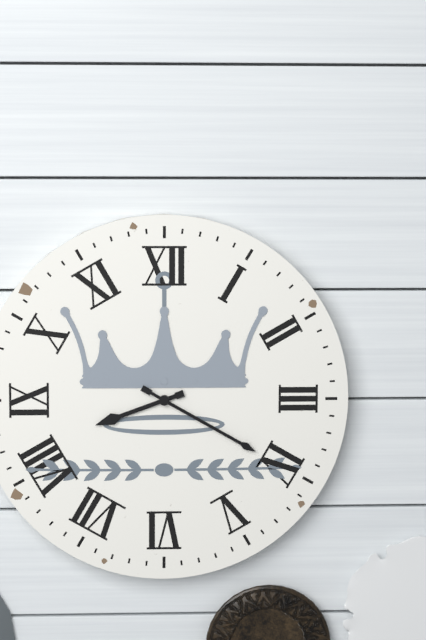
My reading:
**8:20**
